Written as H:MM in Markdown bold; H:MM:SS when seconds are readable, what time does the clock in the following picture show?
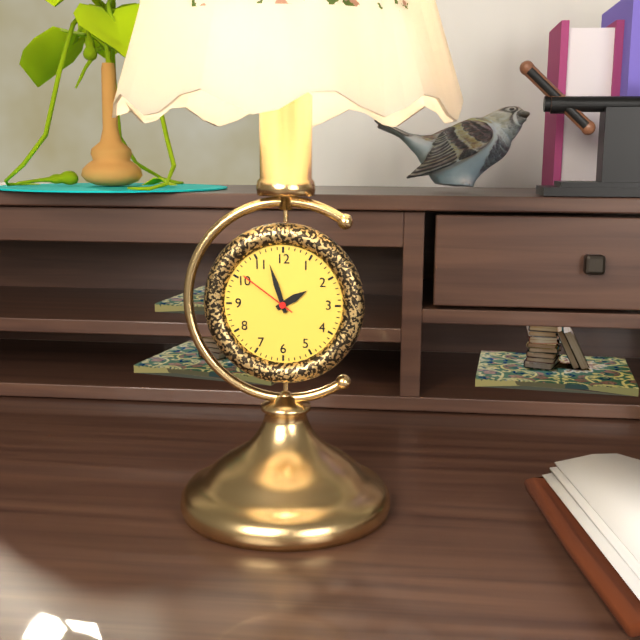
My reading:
**1:57:51**
